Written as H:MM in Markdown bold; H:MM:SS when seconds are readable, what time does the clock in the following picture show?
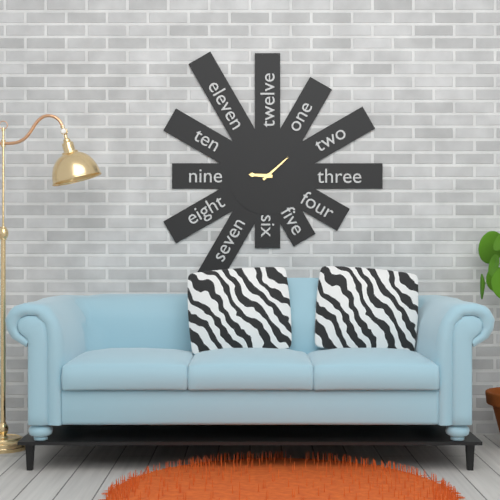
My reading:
**9:08**
